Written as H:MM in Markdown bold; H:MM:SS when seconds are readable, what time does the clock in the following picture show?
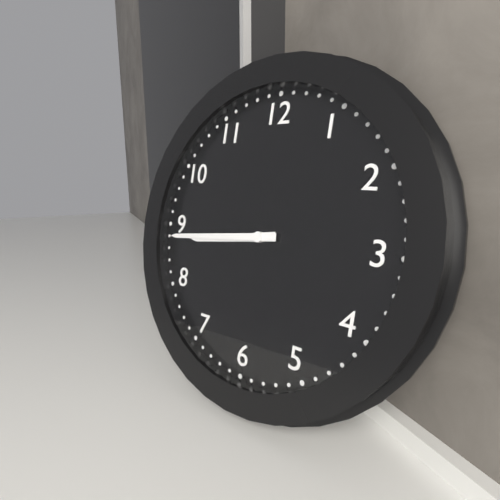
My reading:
**8:44**
